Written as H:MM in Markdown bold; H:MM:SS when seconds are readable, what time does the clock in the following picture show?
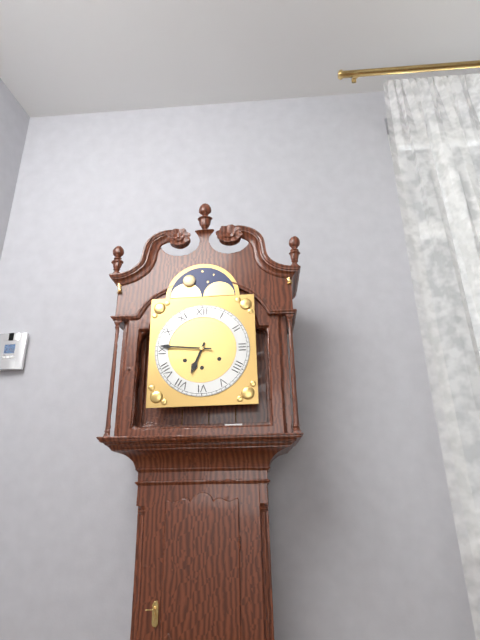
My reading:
**6:46**
